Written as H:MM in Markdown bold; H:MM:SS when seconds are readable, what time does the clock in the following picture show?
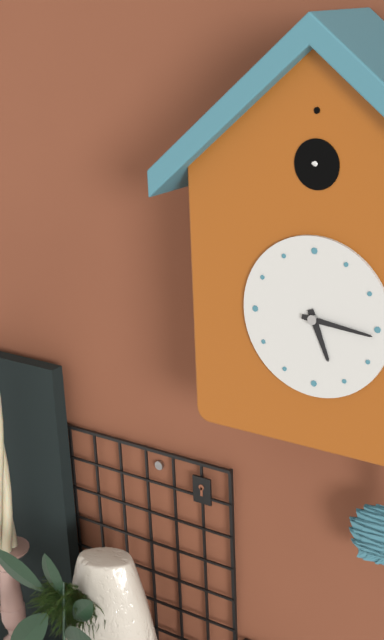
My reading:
**5:16**
